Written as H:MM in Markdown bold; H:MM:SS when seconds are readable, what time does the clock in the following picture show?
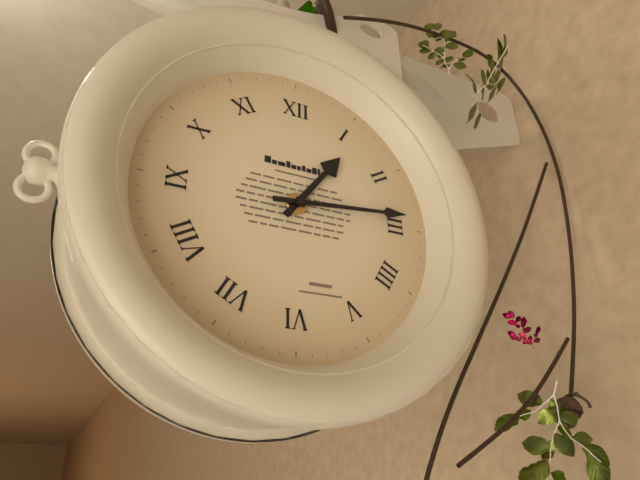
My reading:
**1:14**
